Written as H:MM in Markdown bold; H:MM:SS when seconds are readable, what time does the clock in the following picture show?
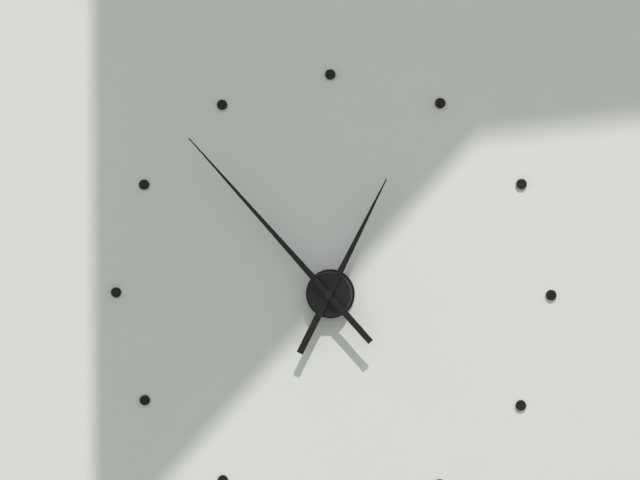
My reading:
**12:53**
